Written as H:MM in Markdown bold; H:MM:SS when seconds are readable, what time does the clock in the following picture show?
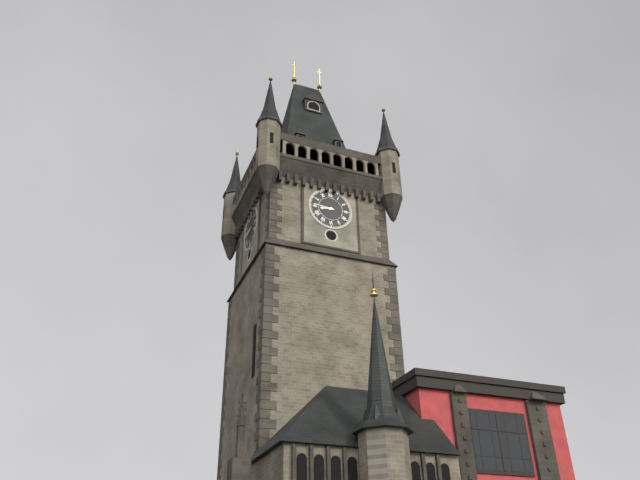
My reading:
**8:46**
